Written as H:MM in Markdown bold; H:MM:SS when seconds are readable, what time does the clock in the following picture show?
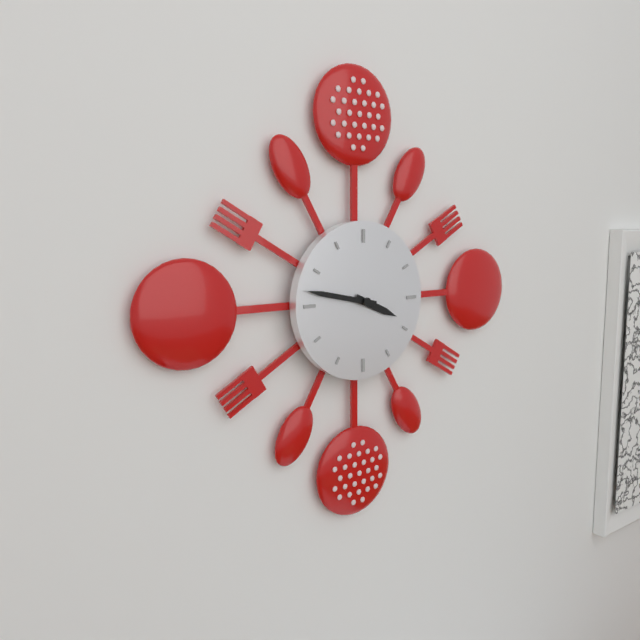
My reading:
**3:47**
